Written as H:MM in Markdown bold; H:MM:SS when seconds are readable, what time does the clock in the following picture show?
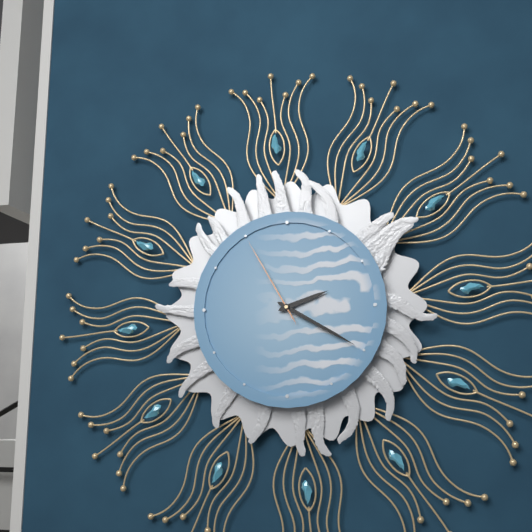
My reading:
**2:20:55**
